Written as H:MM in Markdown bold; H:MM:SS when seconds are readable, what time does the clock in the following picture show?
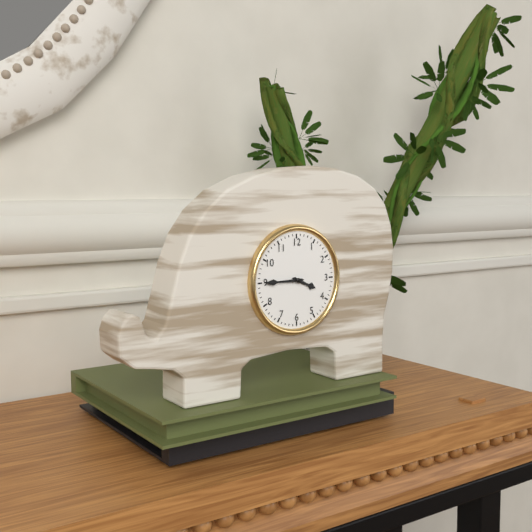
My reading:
**3:45**
